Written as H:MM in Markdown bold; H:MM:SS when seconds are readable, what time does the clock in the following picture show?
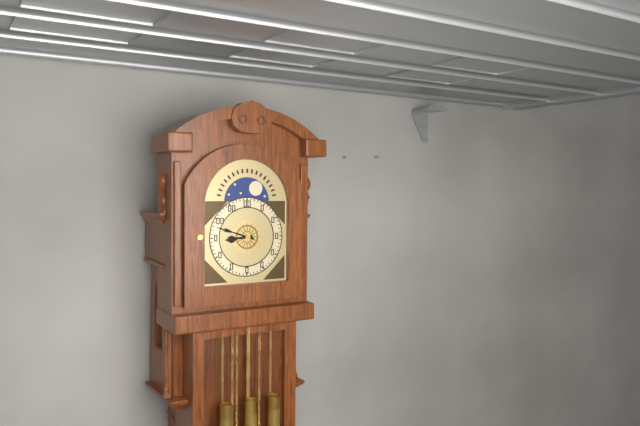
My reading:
**8:48**
